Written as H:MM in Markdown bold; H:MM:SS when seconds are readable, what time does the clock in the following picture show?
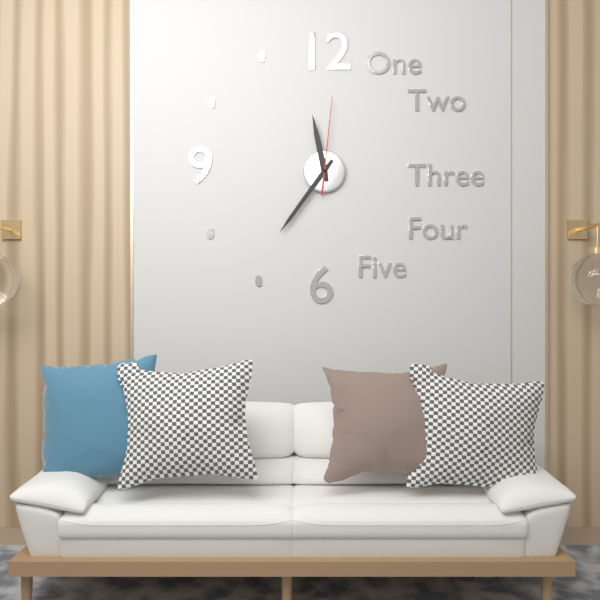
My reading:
**11:36:01**
